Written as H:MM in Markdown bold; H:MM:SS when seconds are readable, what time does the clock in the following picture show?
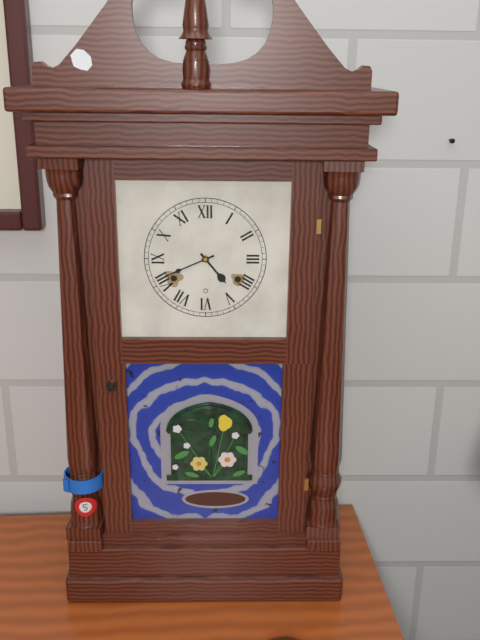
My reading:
**4:41**
